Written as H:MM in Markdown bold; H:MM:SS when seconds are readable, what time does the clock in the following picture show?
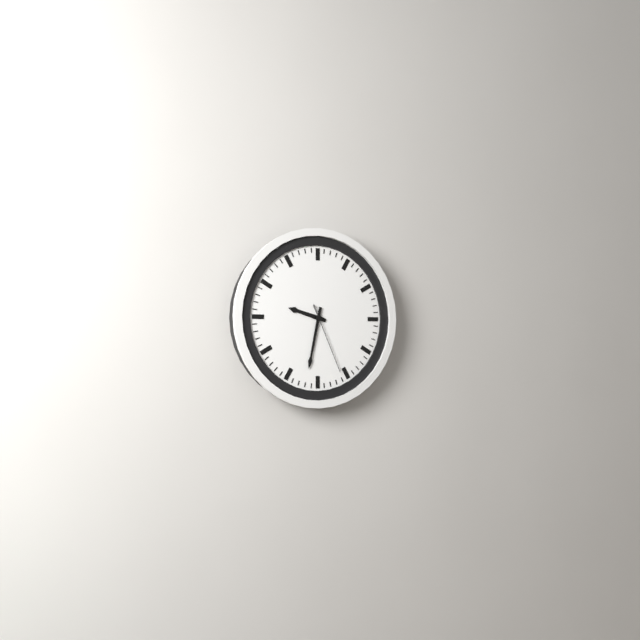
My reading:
**9:32:26**
